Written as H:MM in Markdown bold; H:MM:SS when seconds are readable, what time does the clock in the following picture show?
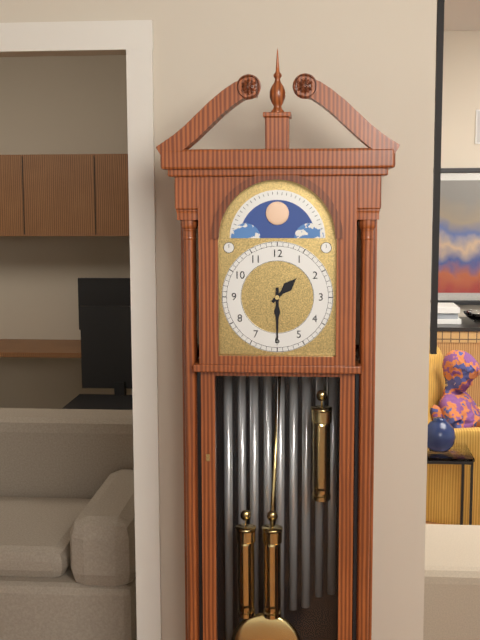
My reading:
**1:30**
